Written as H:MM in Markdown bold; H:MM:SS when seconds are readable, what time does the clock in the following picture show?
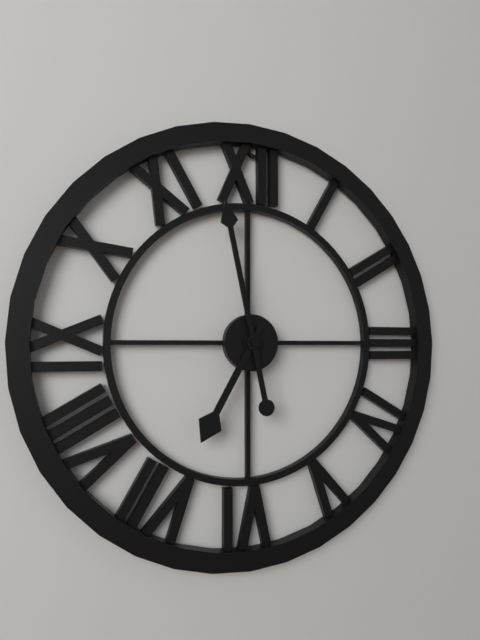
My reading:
**6:58**
